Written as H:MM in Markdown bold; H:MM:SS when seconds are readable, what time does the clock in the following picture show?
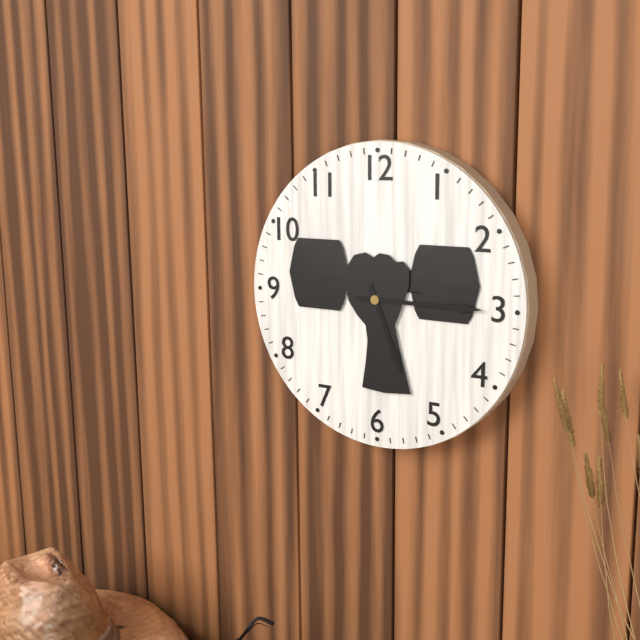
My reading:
**5:15**
